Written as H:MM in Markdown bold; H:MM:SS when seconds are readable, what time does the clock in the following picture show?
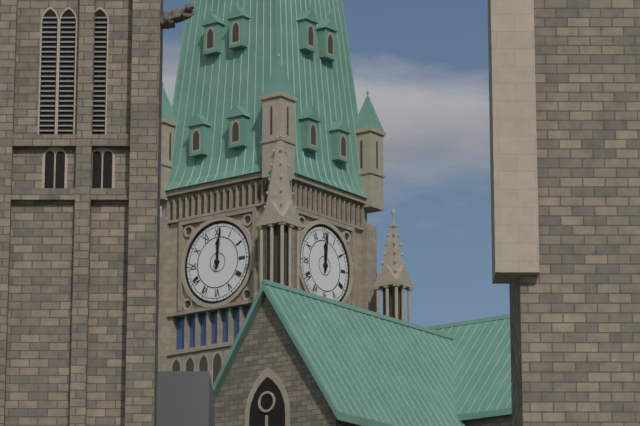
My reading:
**12:01**
